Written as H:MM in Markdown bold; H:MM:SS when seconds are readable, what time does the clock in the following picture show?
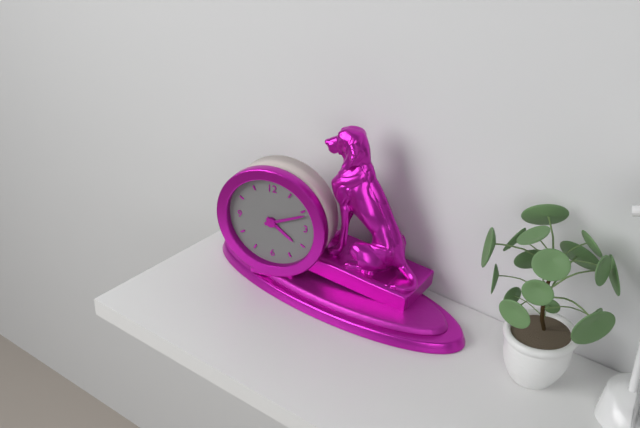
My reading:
**4:11**
